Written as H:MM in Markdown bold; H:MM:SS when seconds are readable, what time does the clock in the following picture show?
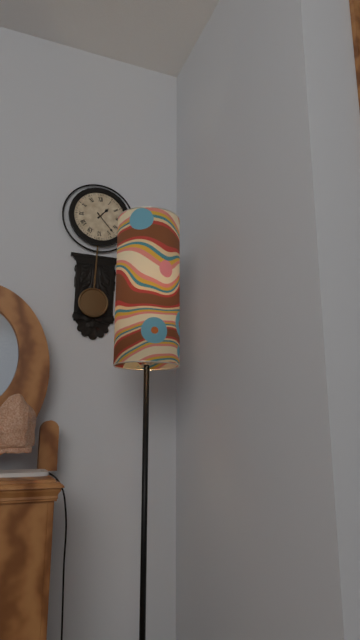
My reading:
**1:23**
